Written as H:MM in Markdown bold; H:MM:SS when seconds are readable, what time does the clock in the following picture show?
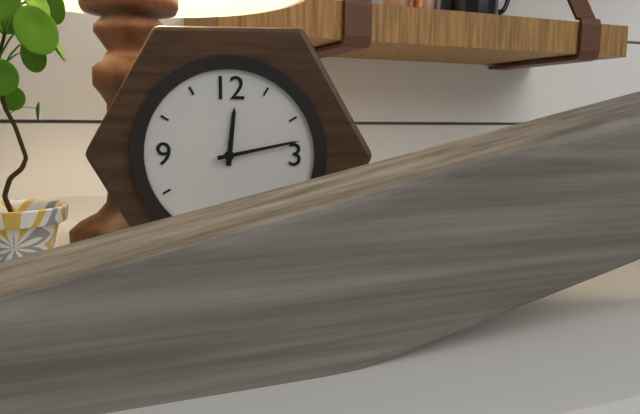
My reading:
**12:13**
